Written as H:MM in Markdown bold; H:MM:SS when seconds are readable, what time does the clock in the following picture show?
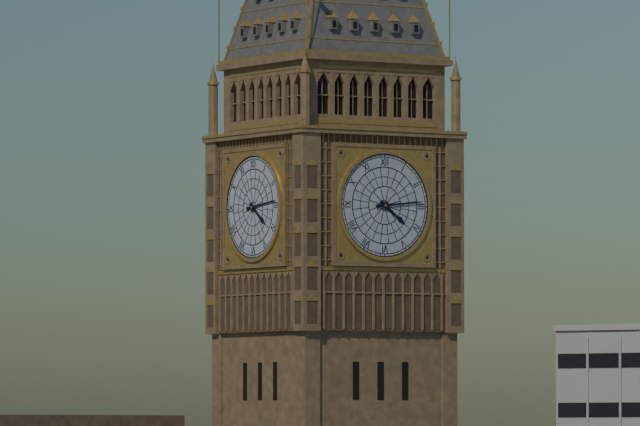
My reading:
**4:14**
